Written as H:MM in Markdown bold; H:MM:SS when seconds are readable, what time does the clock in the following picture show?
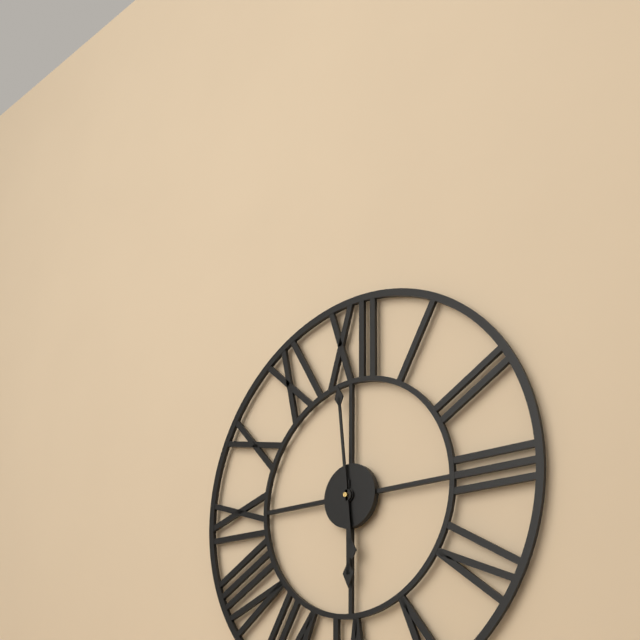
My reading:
**5:59**
